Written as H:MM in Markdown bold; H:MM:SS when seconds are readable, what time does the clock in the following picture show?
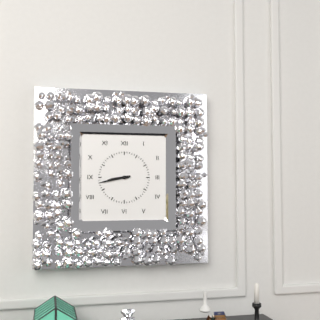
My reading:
**8:43**
